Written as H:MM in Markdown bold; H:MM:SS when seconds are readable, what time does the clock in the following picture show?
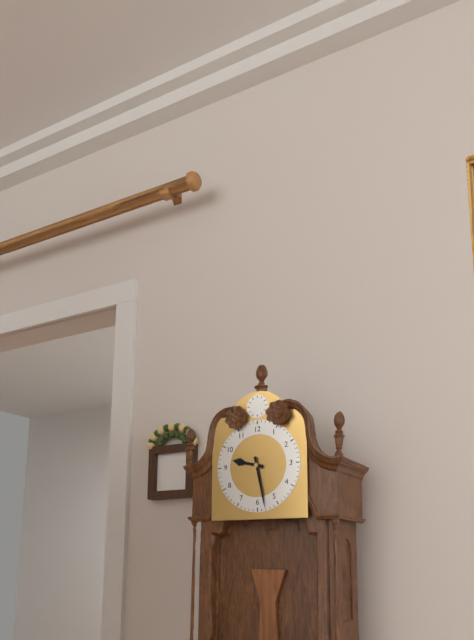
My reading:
**9:28**
